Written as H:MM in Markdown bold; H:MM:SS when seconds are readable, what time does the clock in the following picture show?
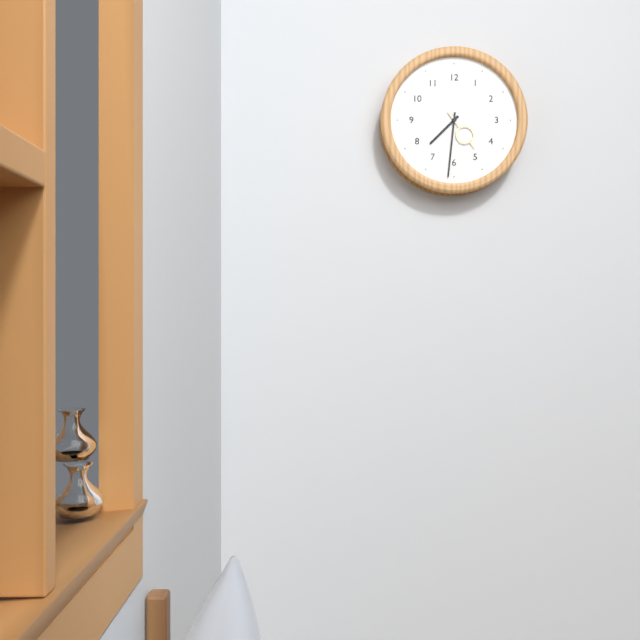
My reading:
**7:31**
